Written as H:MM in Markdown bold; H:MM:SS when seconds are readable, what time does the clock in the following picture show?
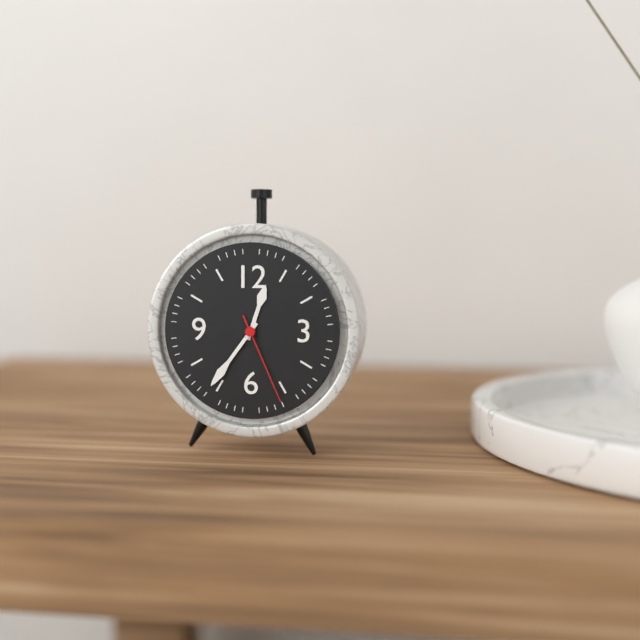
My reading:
**12:36:26**
